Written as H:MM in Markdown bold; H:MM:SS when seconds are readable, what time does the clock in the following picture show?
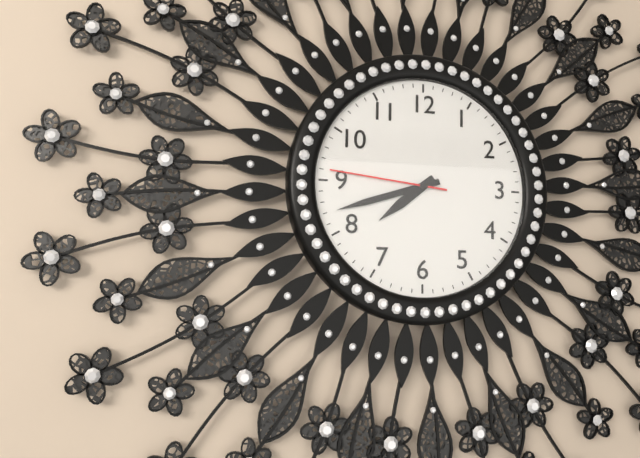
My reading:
**7:42:46**
